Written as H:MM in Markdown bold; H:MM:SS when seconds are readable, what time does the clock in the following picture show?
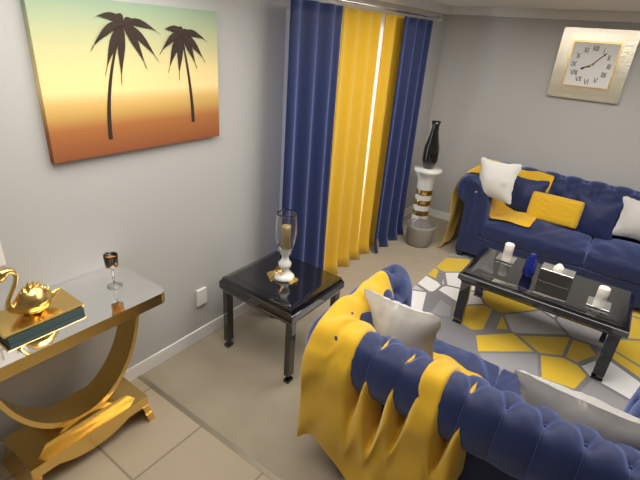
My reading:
**8:07**
